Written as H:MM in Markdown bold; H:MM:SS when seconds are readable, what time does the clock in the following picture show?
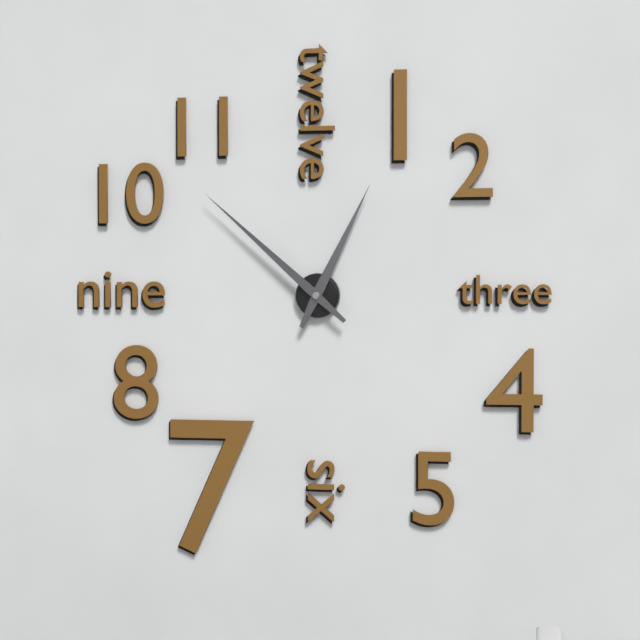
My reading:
**12:52**
